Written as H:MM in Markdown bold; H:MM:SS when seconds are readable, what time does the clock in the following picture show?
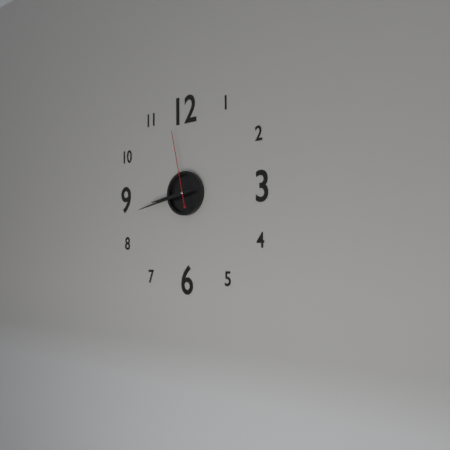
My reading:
**8:43:58**
